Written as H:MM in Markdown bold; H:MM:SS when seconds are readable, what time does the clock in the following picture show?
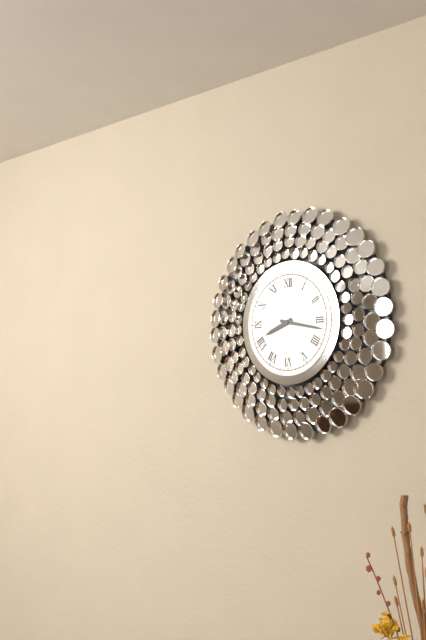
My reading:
**8:17**
